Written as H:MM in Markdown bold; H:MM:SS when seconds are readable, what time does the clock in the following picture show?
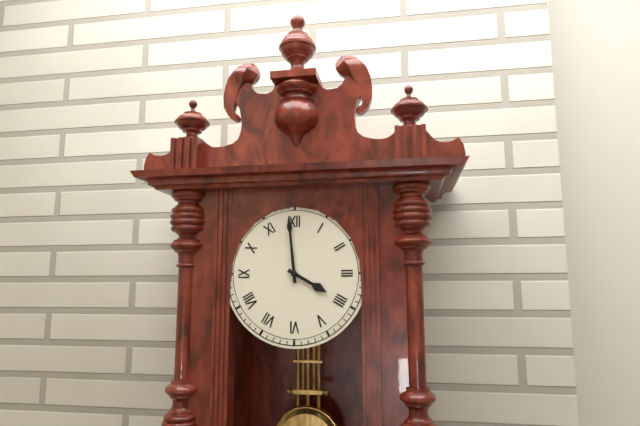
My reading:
**3:59**
